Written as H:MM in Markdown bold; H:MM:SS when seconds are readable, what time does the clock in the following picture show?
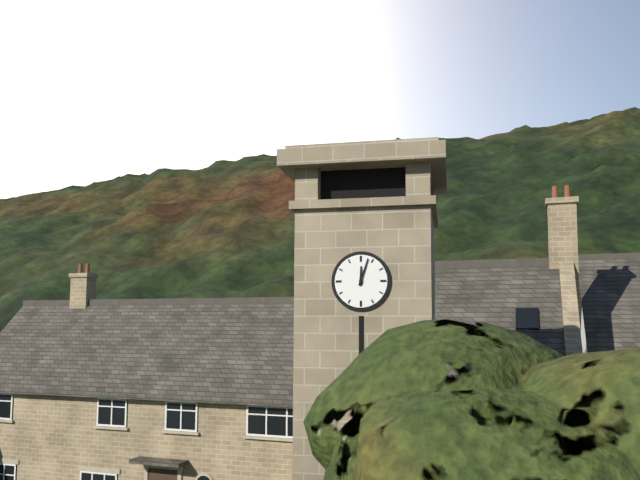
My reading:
**12:03**
